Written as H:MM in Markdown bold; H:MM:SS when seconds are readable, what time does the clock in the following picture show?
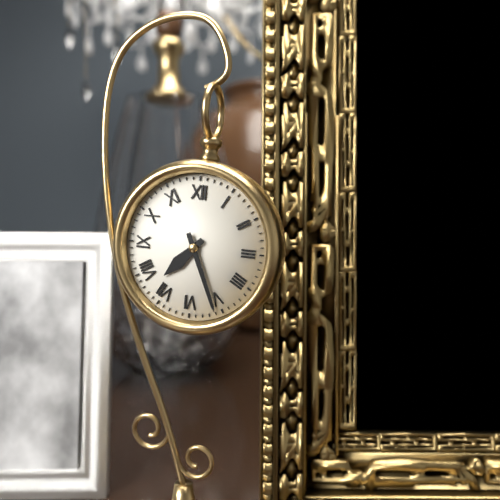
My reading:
**7:26**
